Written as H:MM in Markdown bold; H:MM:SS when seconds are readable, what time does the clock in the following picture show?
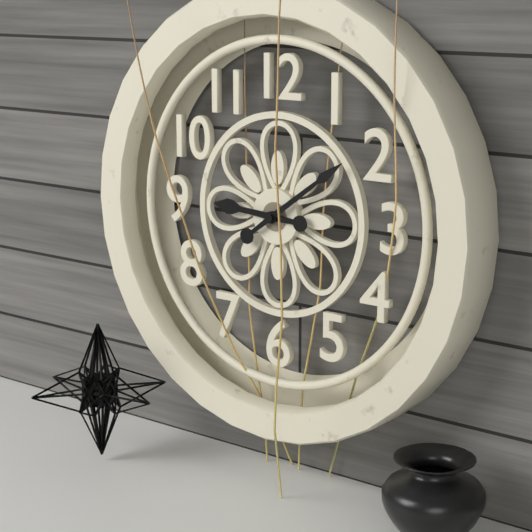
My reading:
**9:09**
